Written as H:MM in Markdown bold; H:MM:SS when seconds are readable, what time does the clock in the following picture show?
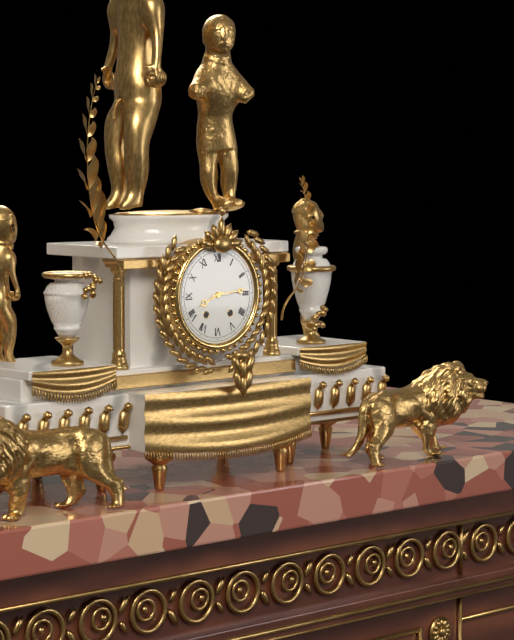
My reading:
**8:14**
